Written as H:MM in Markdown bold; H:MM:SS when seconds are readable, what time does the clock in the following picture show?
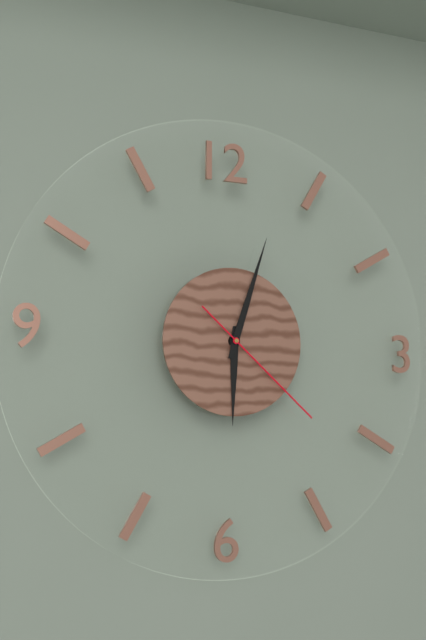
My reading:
**6:03:22**
